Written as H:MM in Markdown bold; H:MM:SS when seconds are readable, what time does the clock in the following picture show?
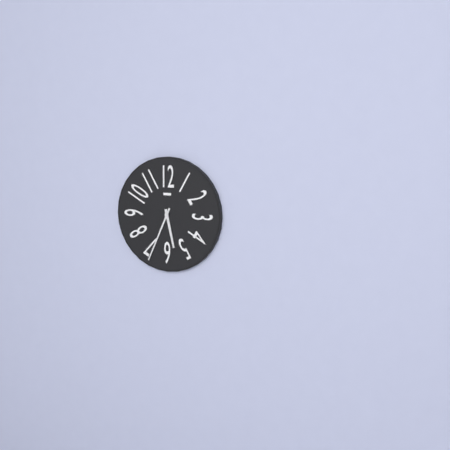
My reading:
**5:34**
